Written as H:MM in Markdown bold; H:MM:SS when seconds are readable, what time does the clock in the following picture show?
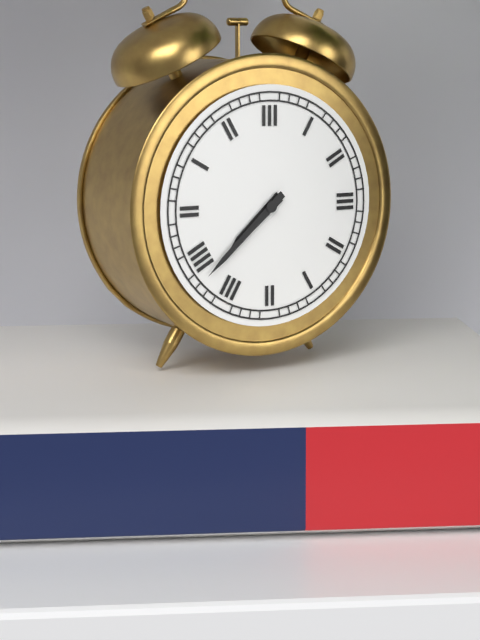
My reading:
**7:38**
